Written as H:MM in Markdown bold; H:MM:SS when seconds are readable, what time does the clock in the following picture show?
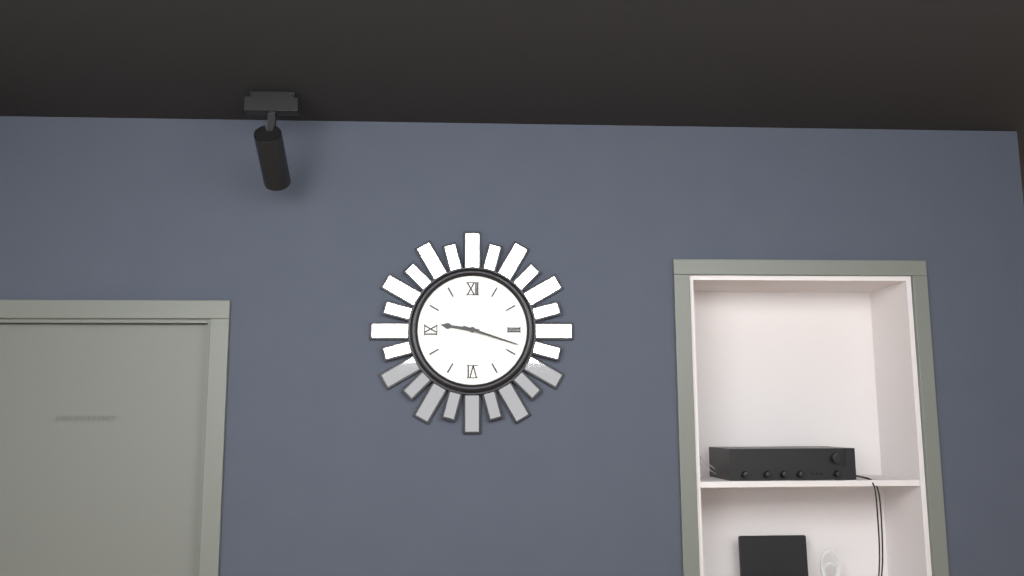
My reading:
**9:18**
